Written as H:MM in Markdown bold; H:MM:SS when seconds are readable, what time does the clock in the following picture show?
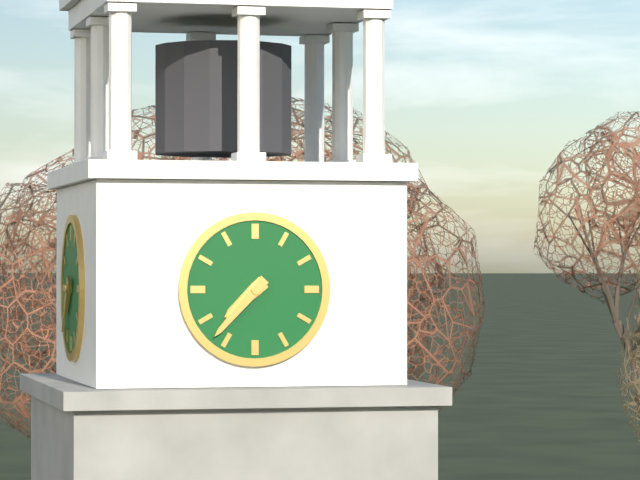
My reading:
**7:37**
